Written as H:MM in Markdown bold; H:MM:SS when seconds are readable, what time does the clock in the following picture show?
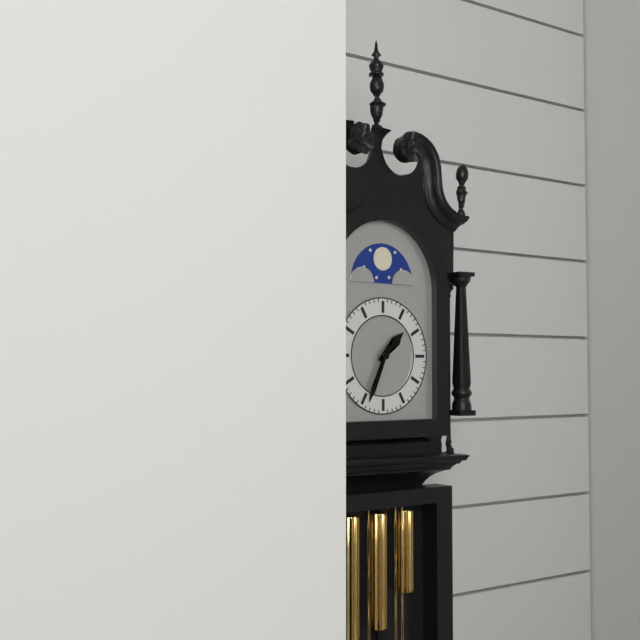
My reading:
**1:34**
